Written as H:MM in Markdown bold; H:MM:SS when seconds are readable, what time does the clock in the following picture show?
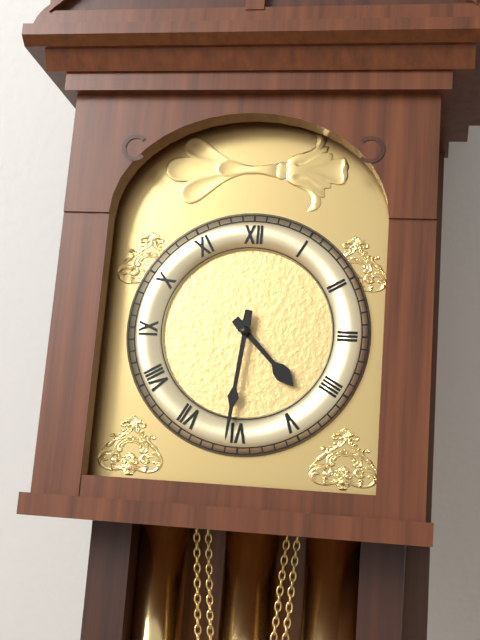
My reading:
**4:31**
